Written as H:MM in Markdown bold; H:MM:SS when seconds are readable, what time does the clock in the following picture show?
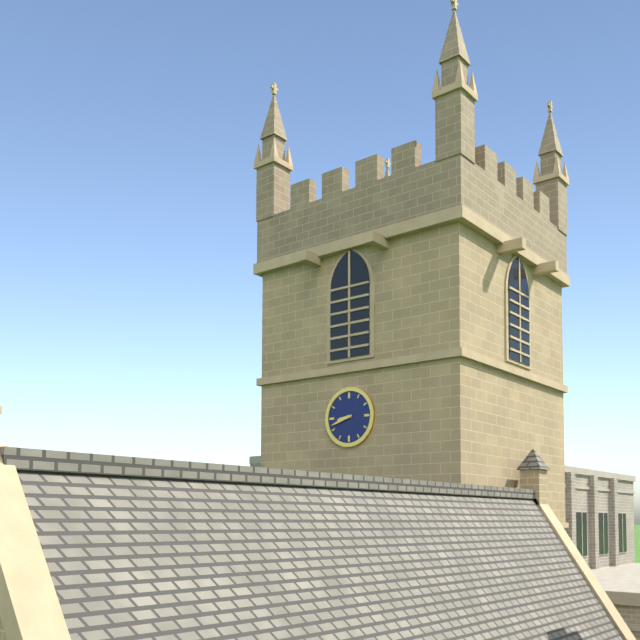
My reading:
**8:42**
